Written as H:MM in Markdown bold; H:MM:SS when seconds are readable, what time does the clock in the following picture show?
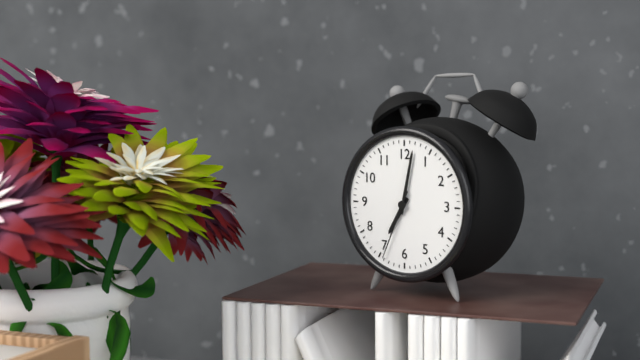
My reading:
**7:02:34**
